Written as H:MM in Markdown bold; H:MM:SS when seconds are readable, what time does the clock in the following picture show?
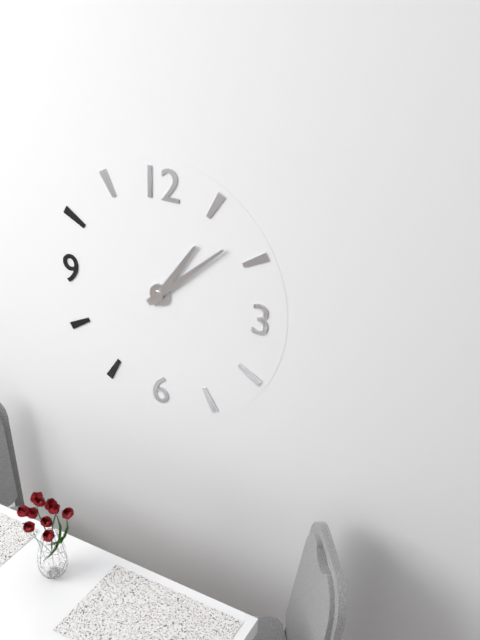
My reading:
**1:08**
